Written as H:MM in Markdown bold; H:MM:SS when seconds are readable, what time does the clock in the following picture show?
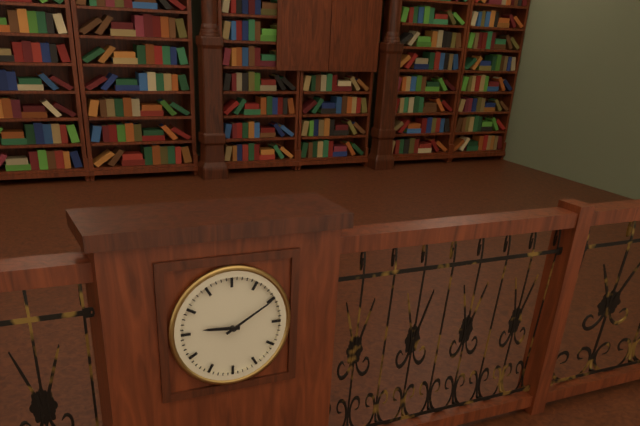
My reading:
**9:10**
